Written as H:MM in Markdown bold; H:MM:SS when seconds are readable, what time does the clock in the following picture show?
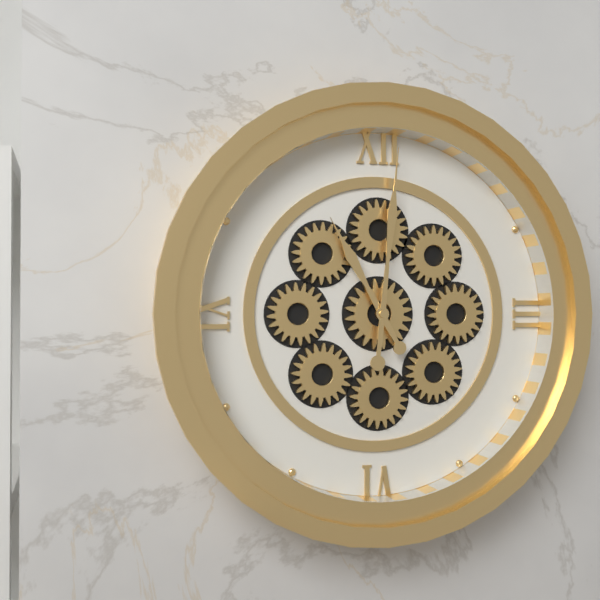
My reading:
**11:01**
